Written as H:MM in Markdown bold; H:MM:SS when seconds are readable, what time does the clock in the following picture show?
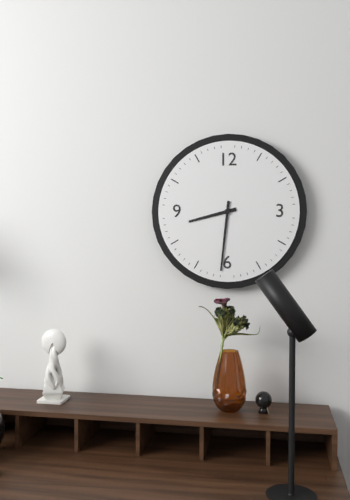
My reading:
**8:31**
